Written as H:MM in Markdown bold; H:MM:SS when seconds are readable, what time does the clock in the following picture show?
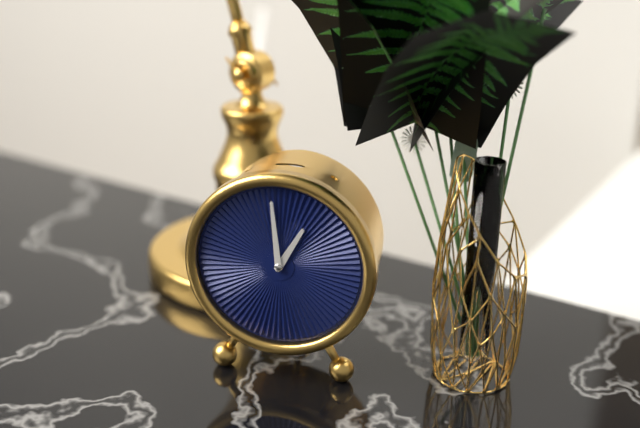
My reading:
**12:59**
